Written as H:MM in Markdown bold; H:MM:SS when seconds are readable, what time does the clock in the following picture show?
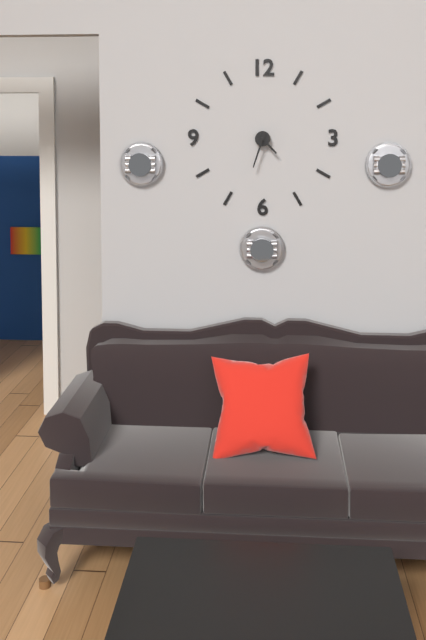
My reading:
**4:33**
